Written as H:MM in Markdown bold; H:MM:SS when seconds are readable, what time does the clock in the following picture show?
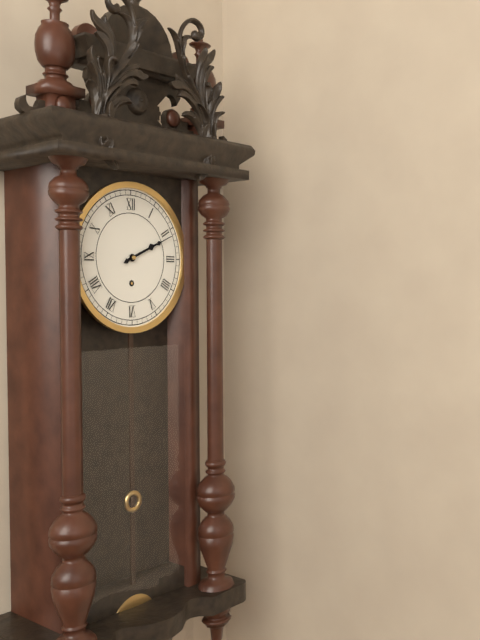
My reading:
**2:11**
